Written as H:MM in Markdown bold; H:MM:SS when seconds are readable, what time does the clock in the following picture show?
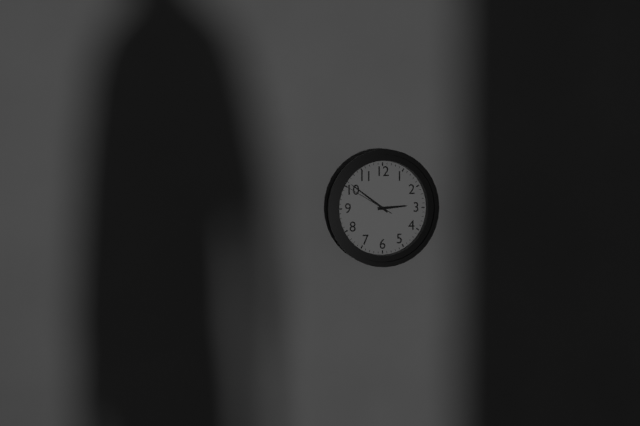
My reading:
**2:51:50**
